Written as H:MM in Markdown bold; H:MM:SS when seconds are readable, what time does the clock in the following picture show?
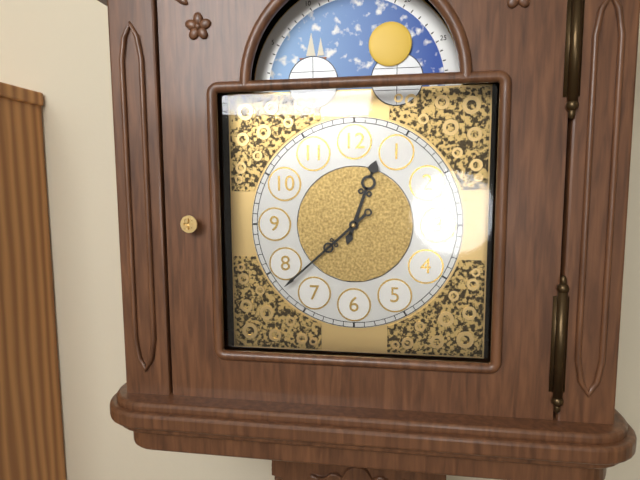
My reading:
**12:38**
